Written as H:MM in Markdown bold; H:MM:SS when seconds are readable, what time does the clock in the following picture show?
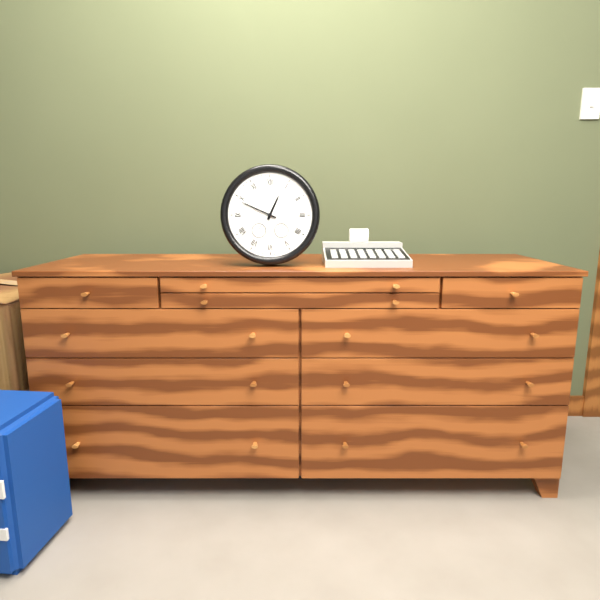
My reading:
**12:49**
